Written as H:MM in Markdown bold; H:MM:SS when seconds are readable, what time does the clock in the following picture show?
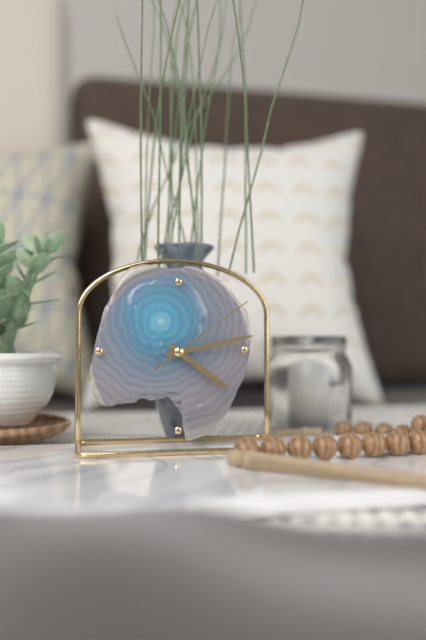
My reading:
**4:13:09**
